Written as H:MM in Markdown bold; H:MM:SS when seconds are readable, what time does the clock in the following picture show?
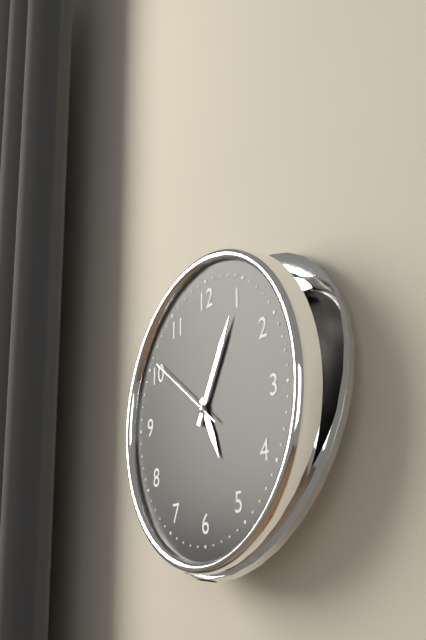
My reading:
**5:05:51**
